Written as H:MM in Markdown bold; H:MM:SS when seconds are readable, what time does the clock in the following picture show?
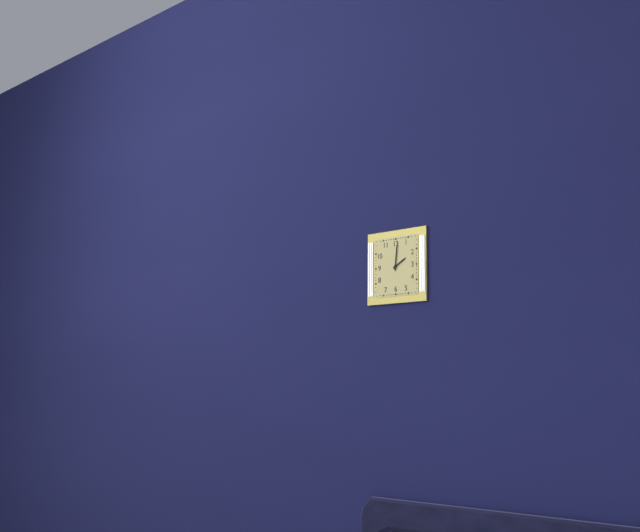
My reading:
**2:01**
